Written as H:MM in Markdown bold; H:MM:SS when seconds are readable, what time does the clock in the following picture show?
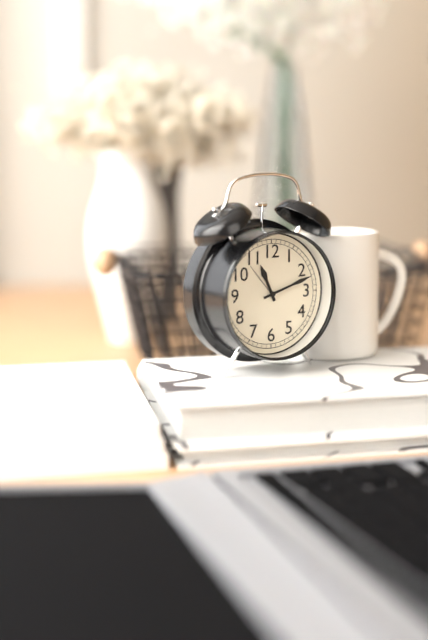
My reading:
**11:12**
